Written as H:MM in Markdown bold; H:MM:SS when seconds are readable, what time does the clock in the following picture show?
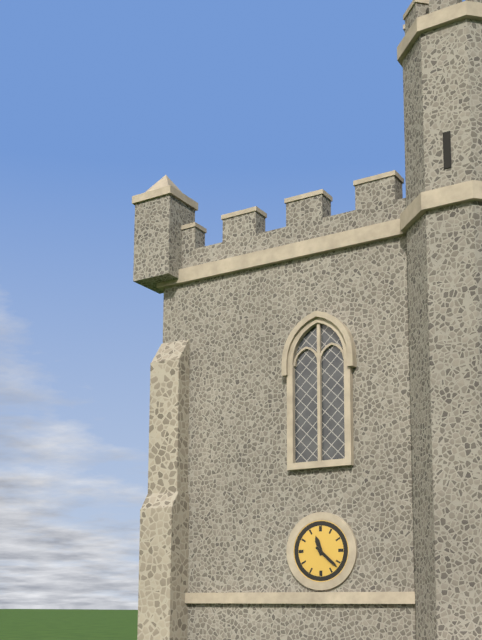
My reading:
**11:22**
